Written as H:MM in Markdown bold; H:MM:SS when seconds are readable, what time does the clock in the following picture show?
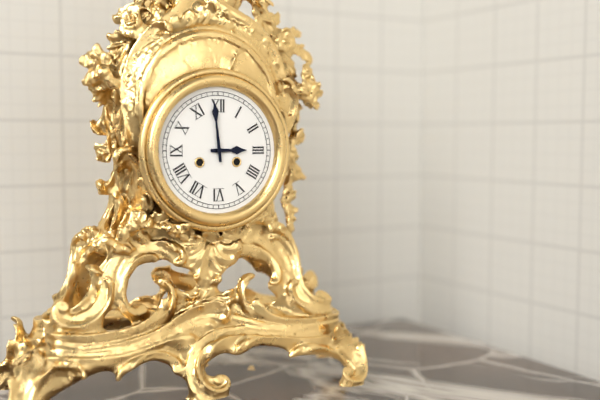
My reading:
**2:59**
